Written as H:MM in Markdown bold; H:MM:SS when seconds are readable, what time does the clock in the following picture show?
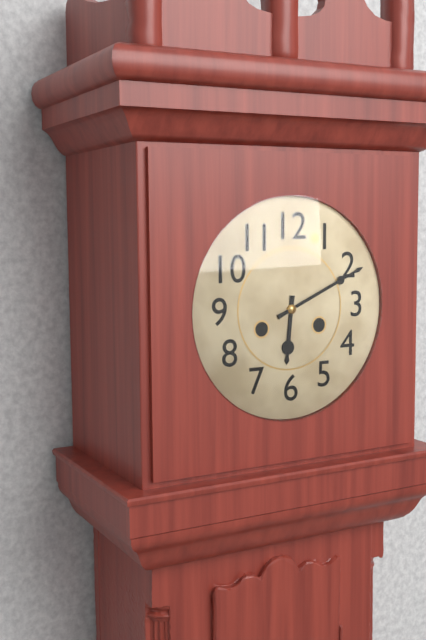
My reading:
**6:11**
